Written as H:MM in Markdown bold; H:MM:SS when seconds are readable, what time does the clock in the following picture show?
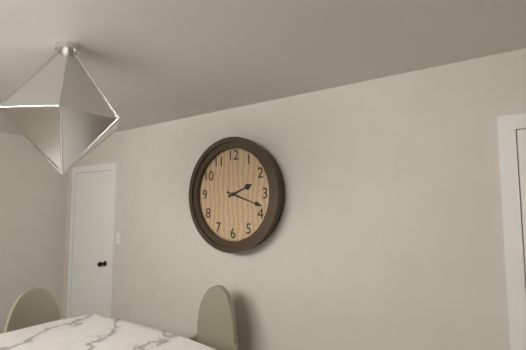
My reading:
**2:18**
